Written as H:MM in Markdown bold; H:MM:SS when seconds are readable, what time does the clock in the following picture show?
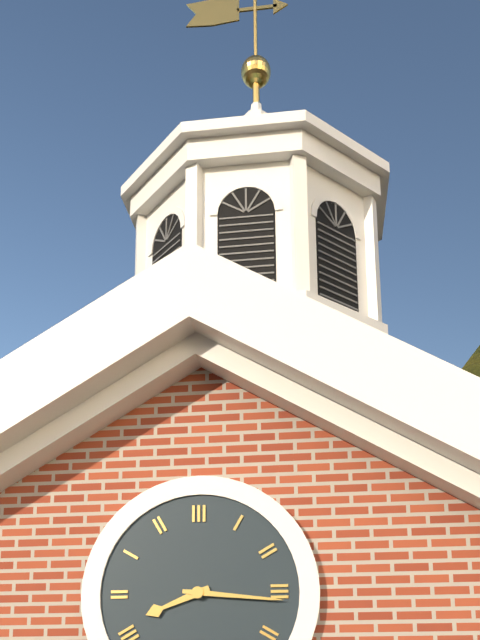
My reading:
**8:16**
